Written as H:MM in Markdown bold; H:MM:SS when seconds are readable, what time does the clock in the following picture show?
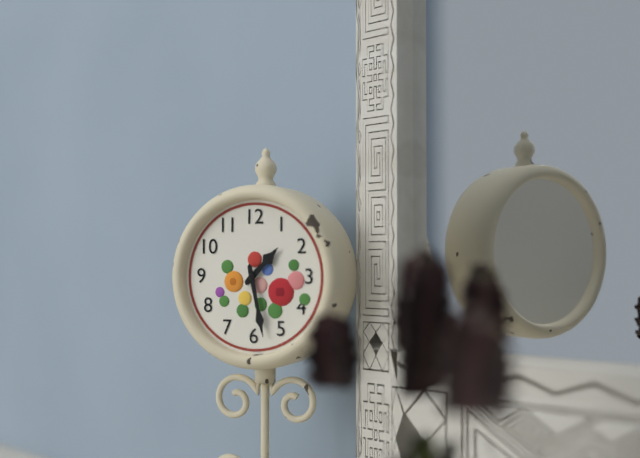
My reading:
**1:28**
